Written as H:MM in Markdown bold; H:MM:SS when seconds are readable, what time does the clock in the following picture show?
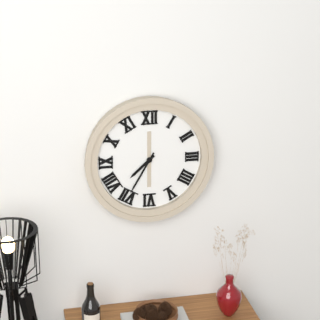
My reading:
**7:35**
